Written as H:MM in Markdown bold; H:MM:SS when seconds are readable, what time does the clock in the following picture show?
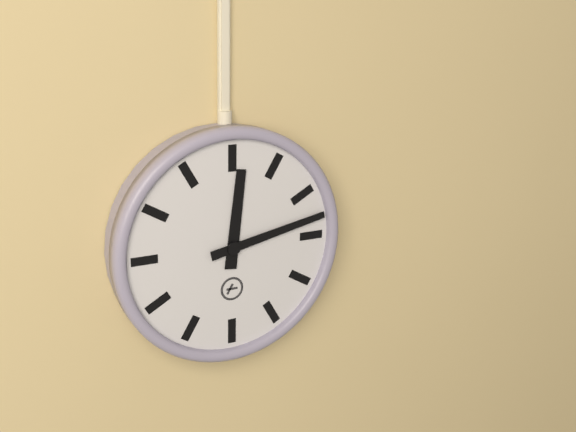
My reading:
**12:13**
